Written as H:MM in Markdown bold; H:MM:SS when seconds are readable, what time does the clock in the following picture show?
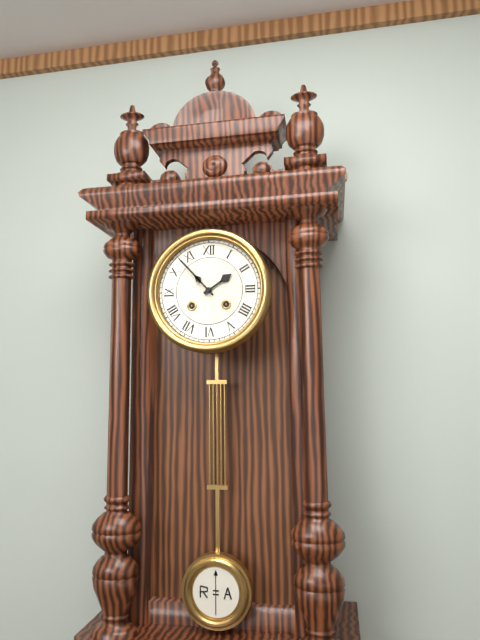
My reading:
**1:53**
